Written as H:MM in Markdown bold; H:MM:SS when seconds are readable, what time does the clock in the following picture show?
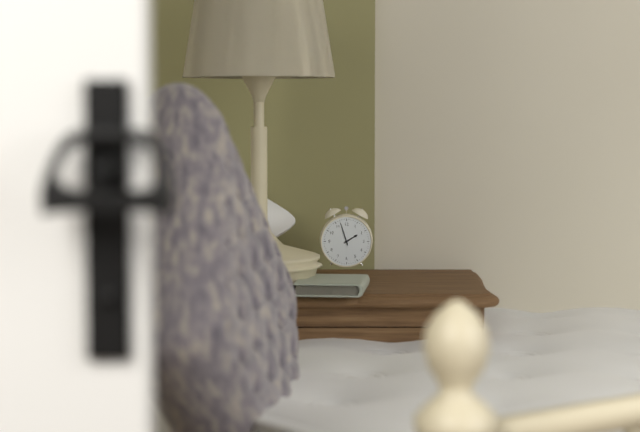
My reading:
**1:57**
